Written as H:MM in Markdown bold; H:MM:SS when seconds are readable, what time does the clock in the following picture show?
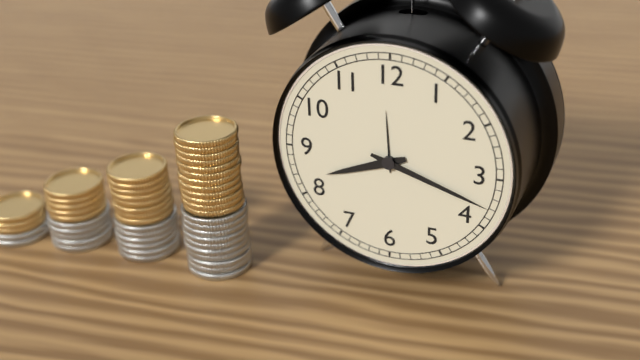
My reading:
**8:18**
